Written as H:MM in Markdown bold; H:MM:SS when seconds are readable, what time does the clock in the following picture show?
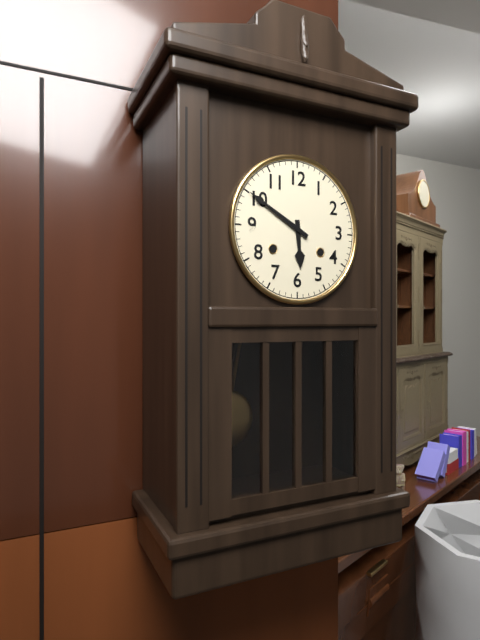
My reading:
**5:50**
